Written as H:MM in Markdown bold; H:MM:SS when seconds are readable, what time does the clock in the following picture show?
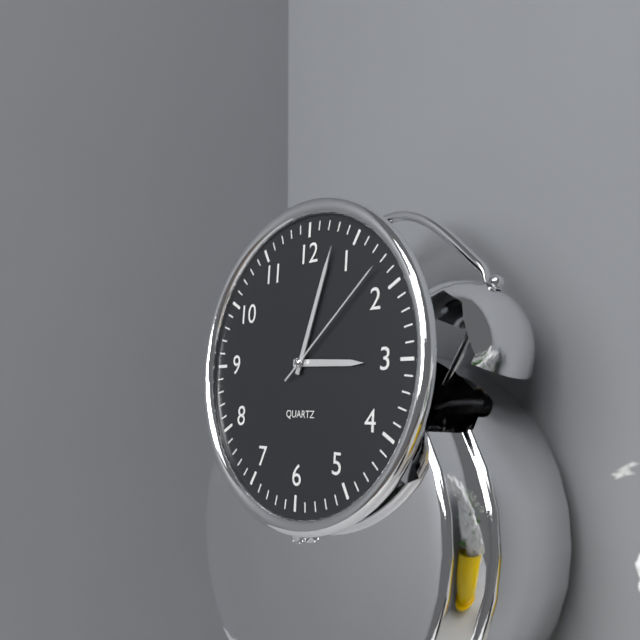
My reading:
**3:03:08**
